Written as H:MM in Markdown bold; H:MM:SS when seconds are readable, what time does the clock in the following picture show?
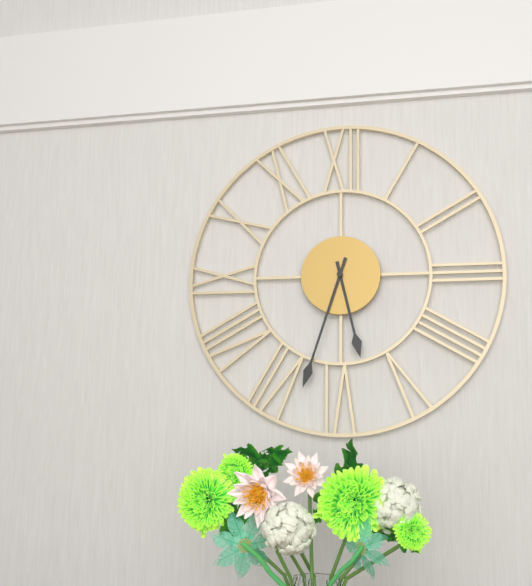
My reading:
**5:33**
